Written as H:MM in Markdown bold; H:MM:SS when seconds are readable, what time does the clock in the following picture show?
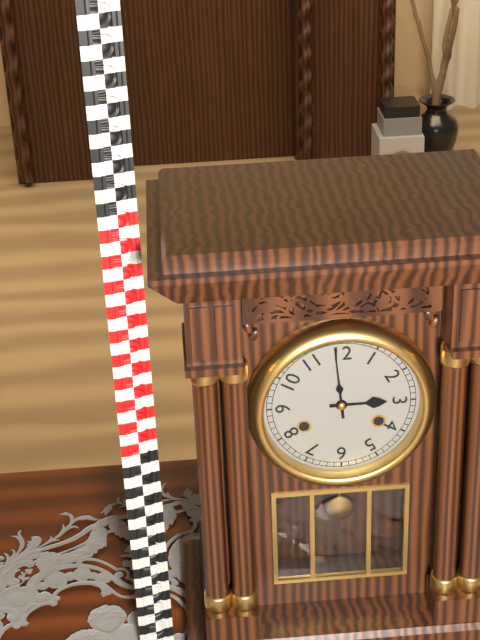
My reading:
**2:59**
